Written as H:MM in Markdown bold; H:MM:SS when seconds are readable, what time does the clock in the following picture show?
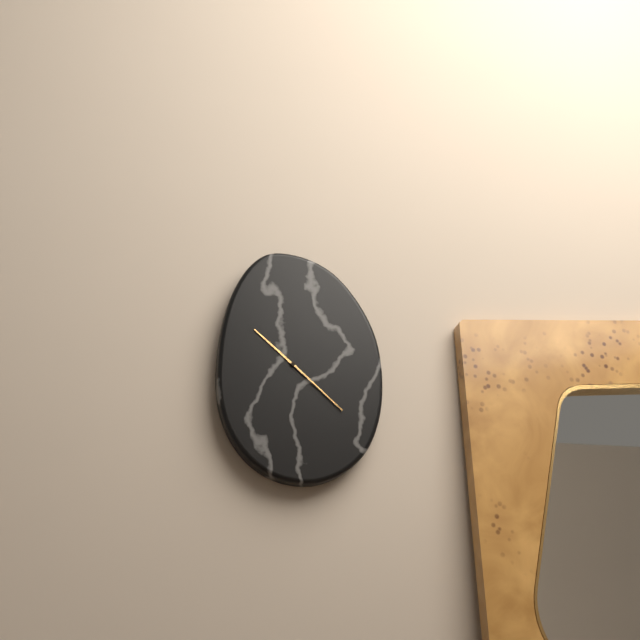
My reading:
**10:22**
